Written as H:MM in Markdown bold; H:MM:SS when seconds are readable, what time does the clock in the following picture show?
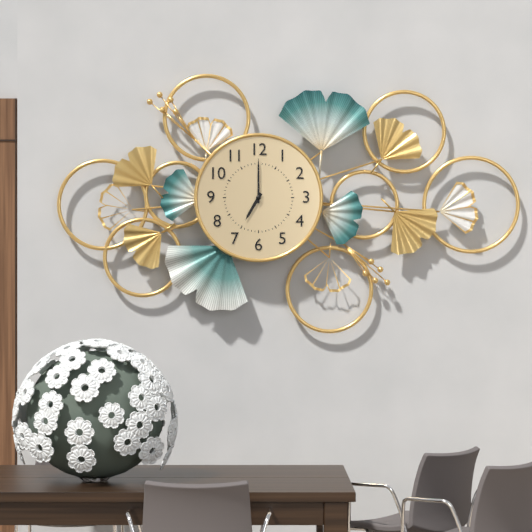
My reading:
**7:00**
